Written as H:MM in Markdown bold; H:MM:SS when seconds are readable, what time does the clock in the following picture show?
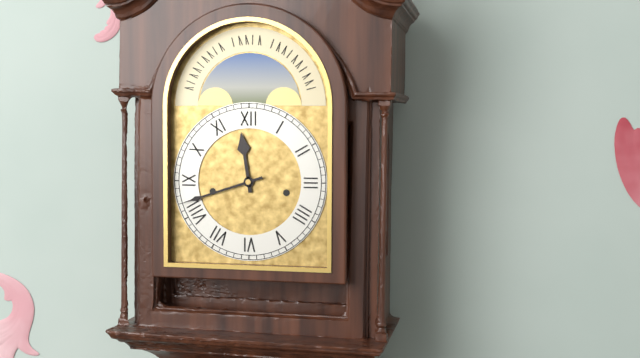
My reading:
**11:42**
